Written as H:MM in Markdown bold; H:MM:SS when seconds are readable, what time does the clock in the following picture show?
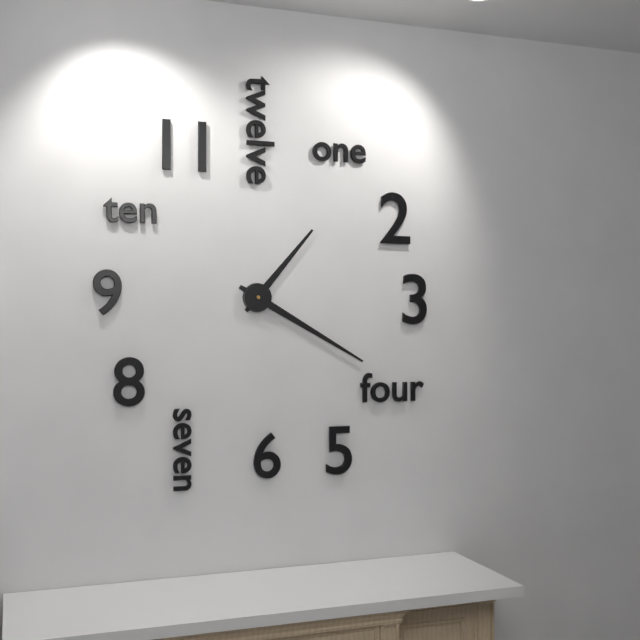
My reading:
**1:20**
